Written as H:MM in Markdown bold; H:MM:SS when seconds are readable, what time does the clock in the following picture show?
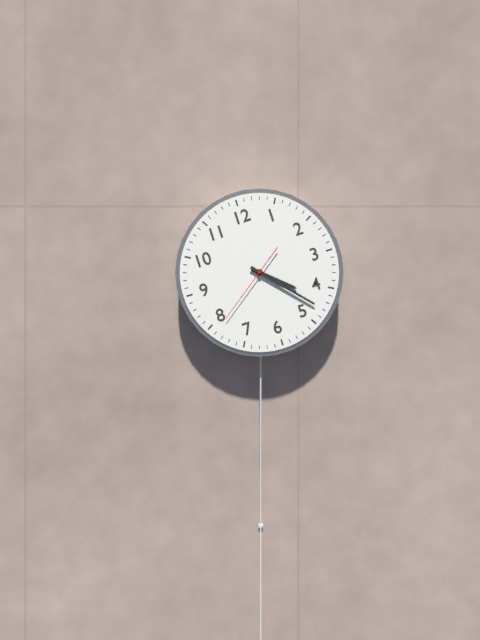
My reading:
**4:23:39**
